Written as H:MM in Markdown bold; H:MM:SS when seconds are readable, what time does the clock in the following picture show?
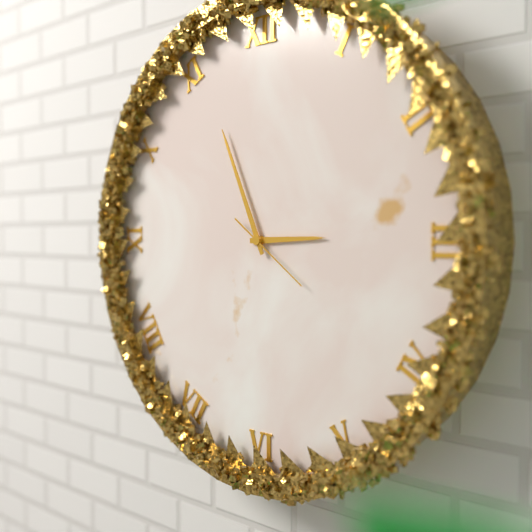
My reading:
**2:56:21**
